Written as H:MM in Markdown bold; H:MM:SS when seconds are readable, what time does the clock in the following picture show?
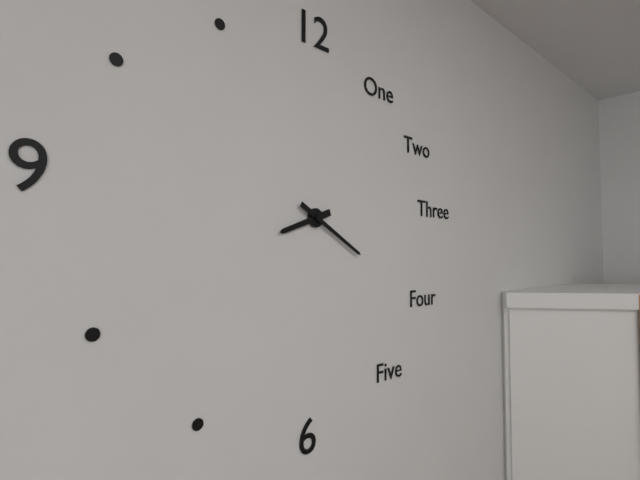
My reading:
**8:20**
